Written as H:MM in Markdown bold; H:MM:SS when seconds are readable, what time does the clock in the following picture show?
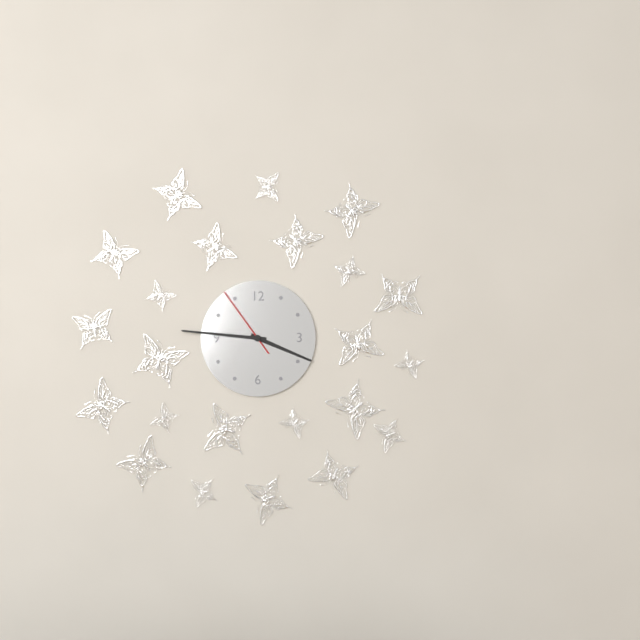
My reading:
**3:46:54**
